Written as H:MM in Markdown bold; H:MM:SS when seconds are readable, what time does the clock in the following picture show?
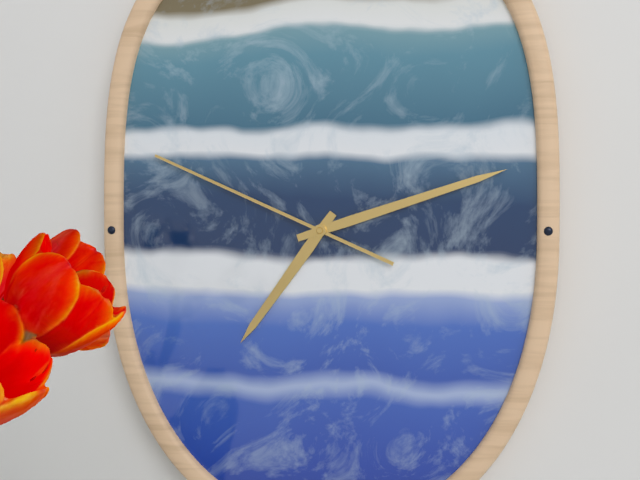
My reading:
**7:12:49**
